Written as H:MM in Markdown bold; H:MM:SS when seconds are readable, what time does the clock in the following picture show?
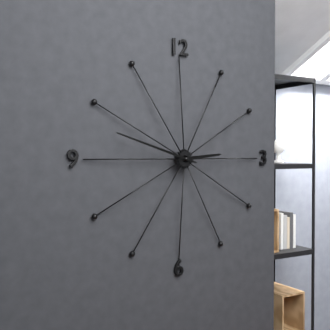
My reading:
**2:48**
